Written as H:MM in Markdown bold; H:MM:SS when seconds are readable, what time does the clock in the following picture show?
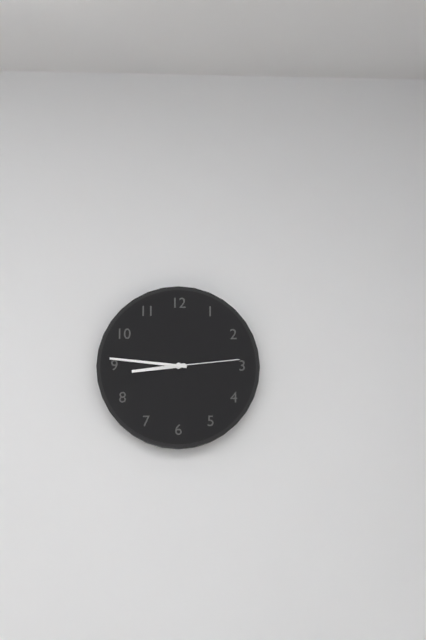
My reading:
**8:46:14**
